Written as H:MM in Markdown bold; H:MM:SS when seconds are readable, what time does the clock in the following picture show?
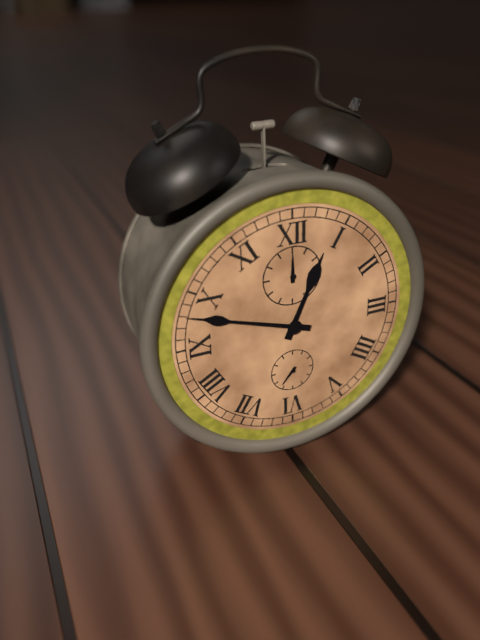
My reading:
**12:48**
